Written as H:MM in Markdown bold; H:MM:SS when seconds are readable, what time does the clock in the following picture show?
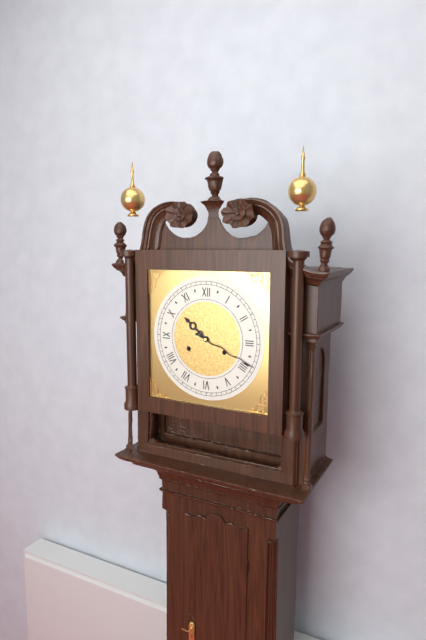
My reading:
**10:19**
